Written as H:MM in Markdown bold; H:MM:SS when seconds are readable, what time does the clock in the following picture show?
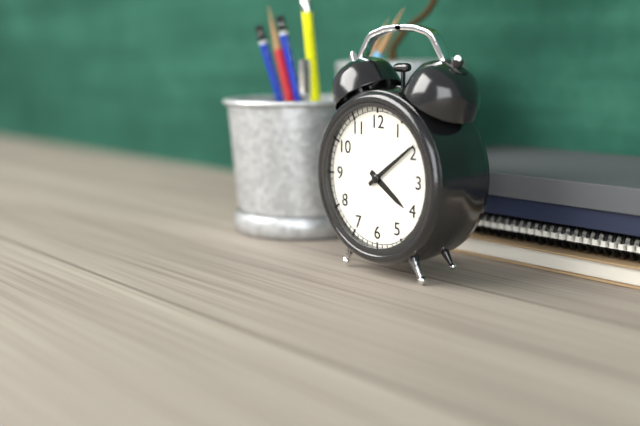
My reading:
**4:09**
